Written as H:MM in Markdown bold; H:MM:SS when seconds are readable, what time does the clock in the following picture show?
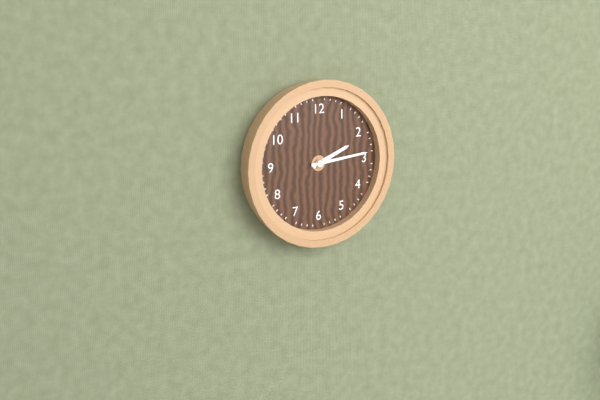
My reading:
**2:14**
